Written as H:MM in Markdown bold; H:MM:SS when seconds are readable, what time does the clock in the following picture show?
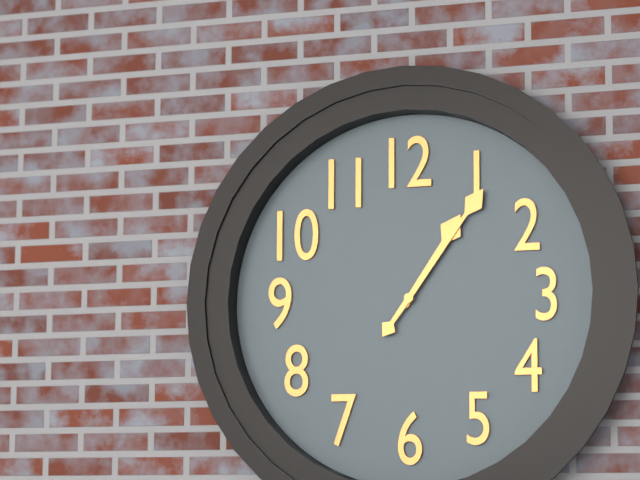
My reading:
**1:06**
